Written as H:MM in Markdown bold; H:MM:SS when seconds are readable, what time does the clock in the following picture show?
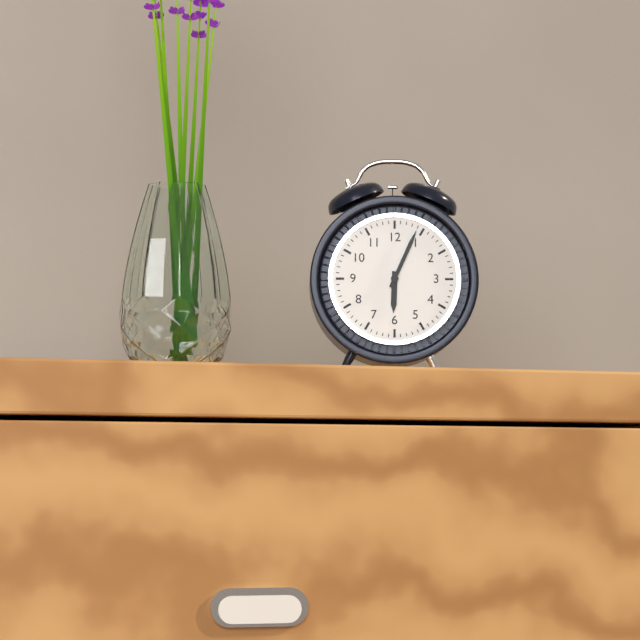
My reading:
**6:04**
